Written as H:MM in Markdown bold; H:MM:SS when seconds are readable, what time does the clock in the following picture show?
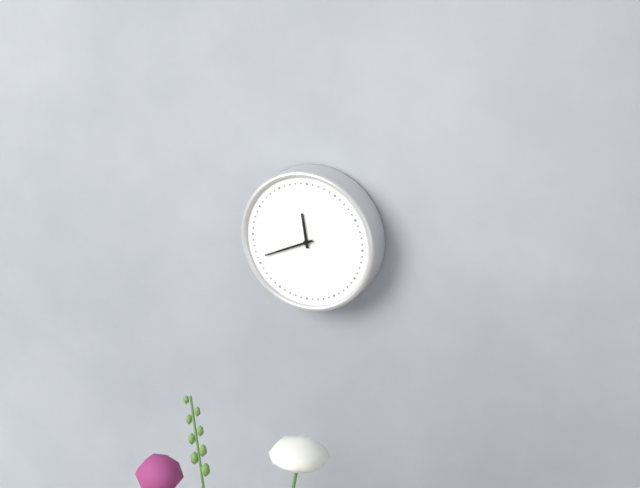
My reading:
**11:41**
